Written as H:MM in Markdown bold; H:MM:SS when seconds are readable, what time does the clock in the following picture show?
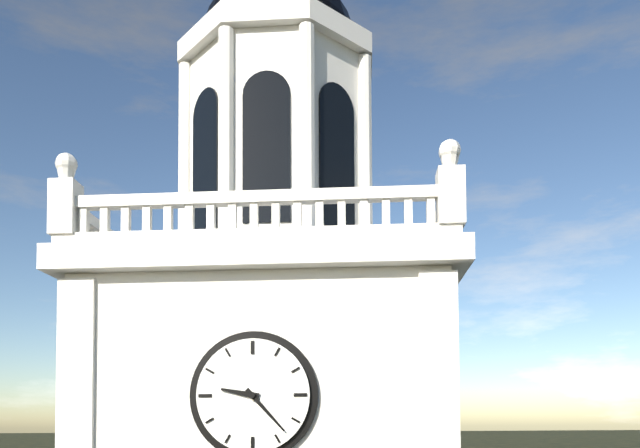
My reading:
**9:23**
